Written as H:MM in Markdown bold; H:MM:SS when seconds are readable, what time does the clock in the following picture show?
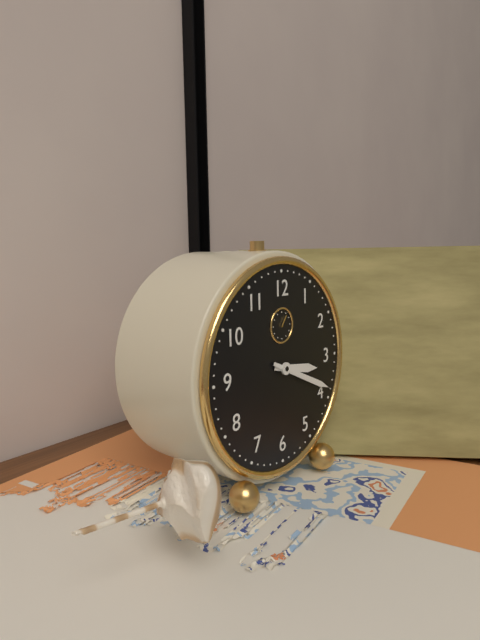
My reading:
**3:19**
